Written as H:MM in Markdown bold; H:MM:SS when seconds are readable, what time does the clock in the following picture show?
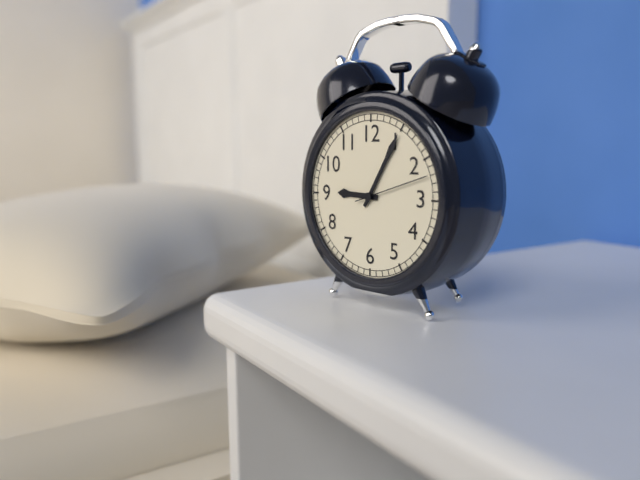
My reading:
**9:05:12**
